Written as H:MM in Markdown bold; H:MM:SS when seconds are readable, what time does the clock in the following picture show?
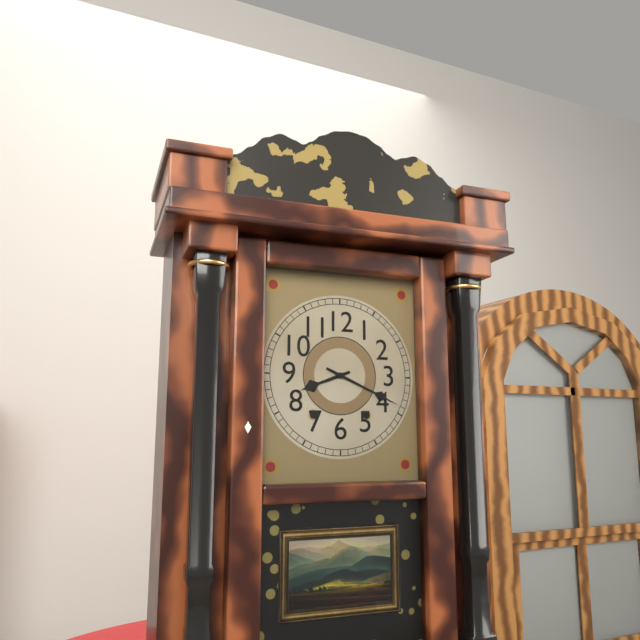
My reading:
**8:19**
